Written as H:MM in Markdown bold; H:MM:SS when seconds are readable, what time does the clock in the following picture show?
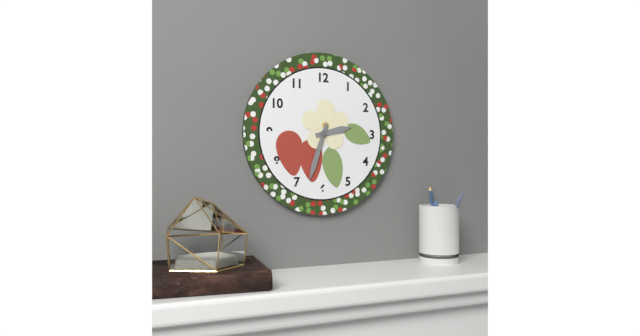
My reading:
**2:33**
